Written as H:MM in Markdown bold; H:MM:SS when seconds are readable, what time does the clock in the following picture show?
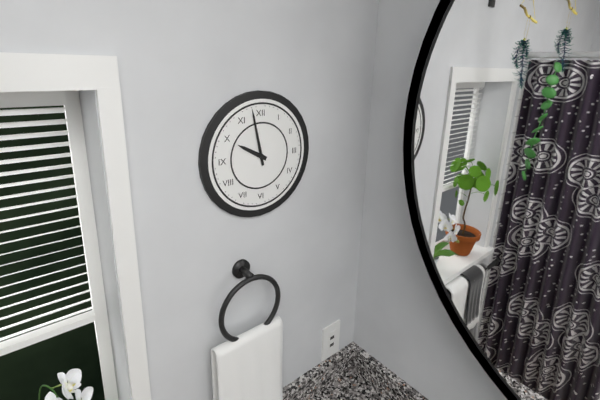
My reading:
**9:58**
